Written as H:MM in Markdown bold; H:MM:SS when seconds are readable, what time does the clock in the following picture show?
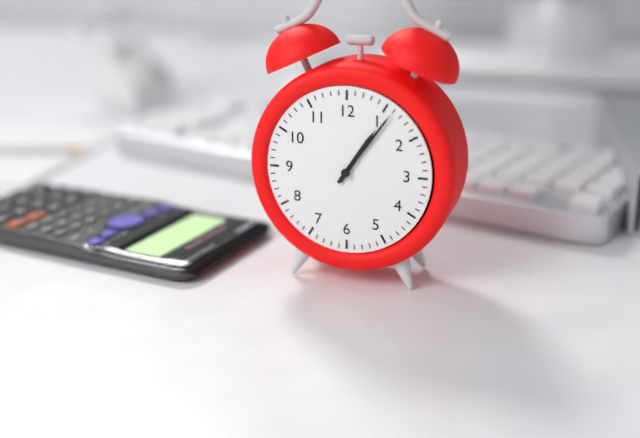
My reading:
**1:06**
